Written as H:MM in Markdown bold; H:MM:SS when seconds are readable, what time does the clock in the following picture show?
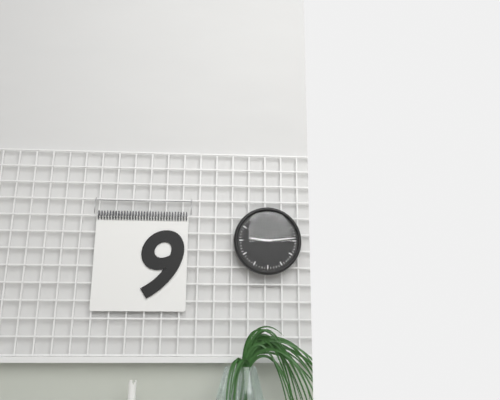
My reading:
**9:14**
